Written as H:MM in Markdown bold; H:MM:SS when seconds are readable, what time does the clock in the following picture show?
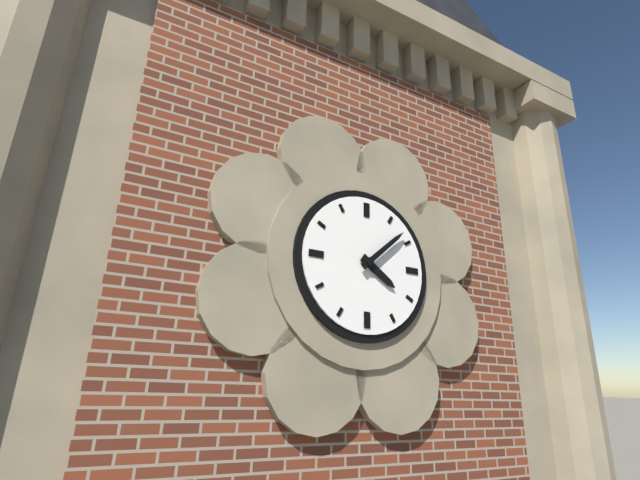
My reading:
**4:08**
